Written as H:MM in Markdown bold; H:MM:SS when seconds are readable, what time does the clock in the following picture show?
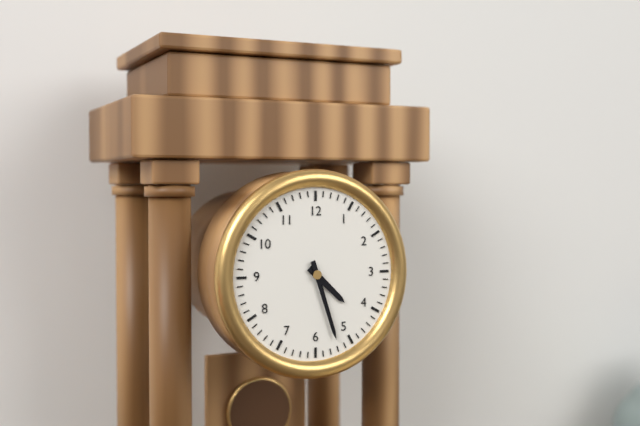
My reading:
**4:27**
